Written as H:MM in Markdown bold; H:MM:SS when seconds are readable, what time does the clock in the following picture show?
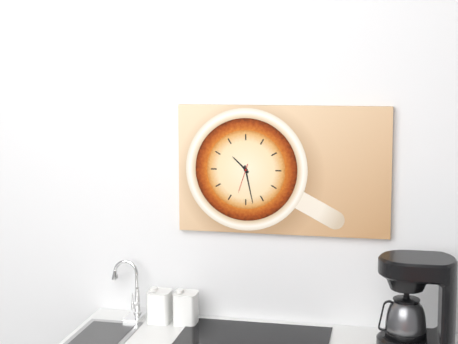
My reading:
**10:28**
